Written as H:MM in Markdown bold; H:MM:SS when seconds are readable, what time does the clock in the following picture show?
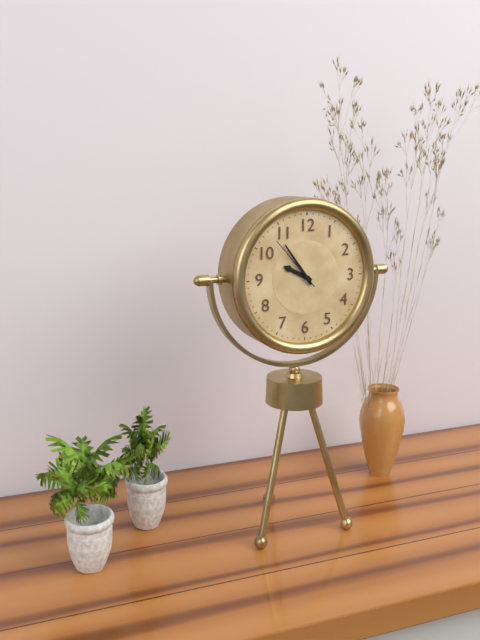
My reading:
**9:54**
